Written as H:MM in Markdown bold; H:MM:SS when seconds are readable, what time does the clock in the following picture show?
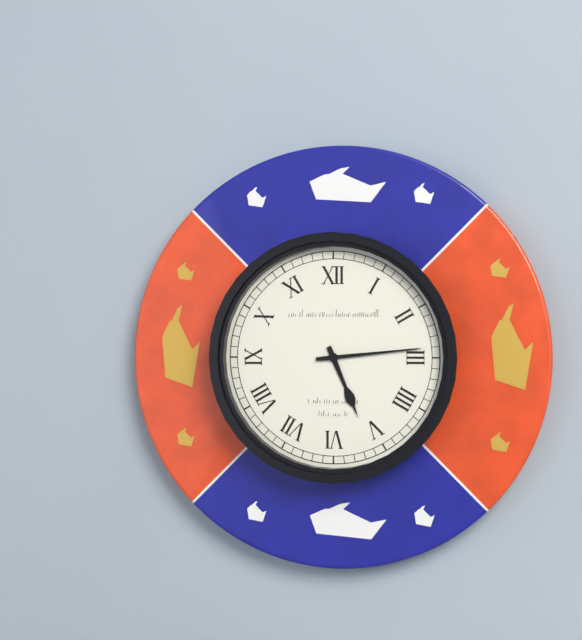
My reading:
**5:14**
